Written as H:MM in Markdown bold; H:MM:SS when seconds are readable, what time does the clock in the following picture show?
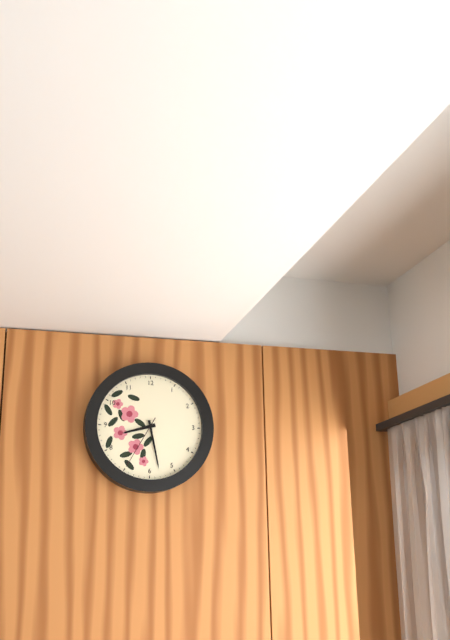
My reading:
**8:28:35**
